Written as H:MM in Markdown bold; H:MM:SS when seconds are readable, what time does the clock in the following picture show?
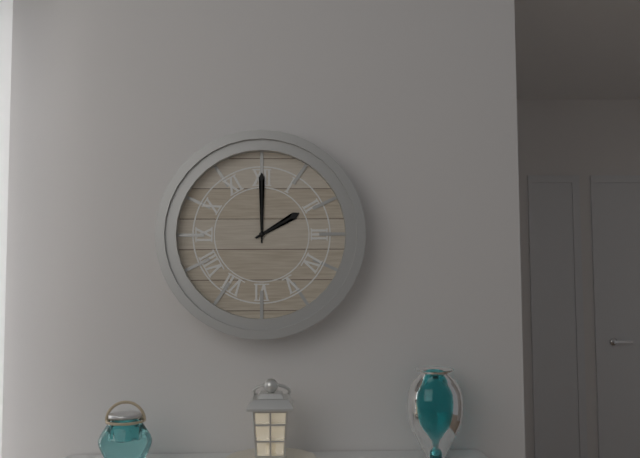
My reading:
**2:00**
